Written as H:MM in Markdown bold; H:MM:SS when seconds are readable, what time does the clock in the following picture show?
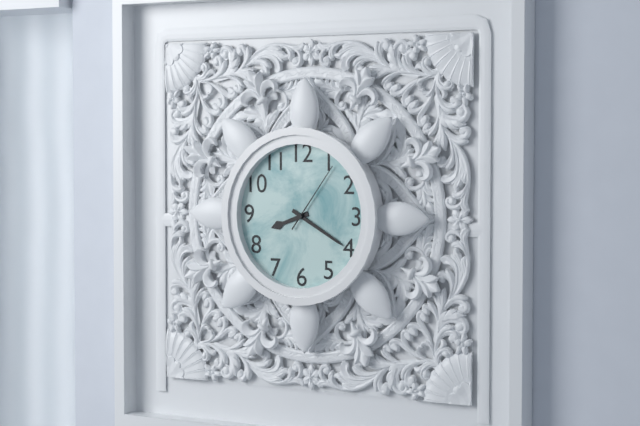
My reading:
**8:20:06**
